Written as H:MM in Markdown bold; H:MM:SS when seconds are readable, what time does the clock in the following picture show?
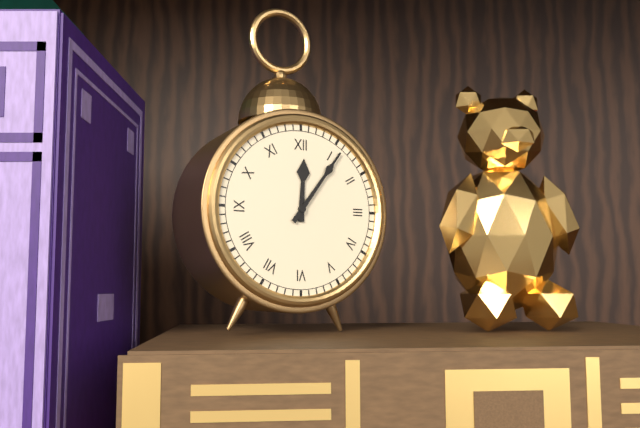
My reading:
**12:06**
